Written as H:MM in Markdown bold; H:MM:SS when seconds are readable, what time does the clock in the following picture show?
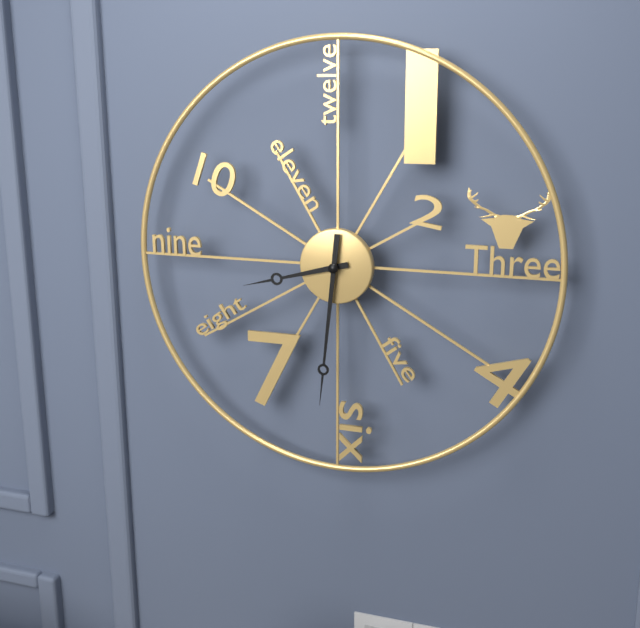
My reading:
**8:31**
